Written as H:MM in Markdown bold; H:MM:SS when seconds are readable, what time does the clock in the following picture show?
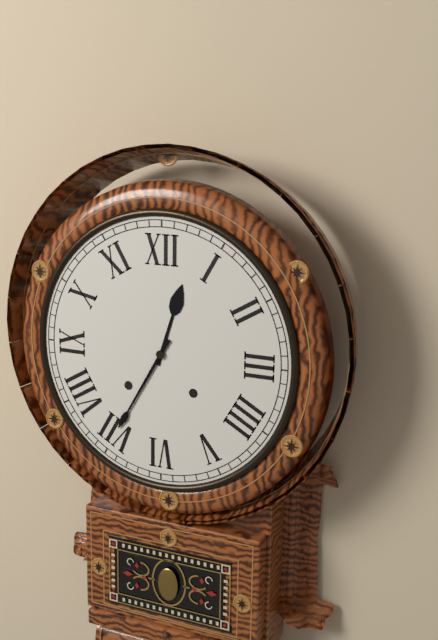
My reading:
**12:35**
